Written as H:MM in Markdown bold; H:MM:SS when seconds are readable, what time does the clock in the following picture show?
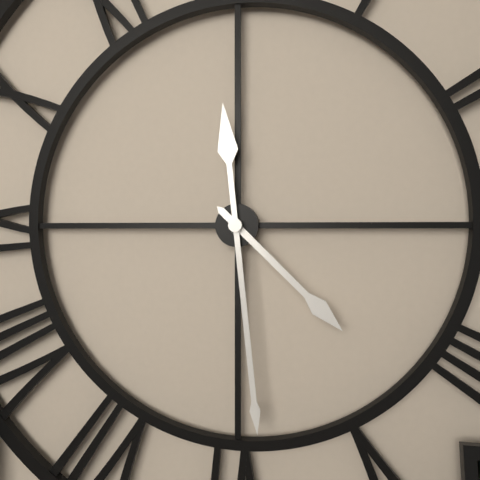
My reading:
**4:29**
